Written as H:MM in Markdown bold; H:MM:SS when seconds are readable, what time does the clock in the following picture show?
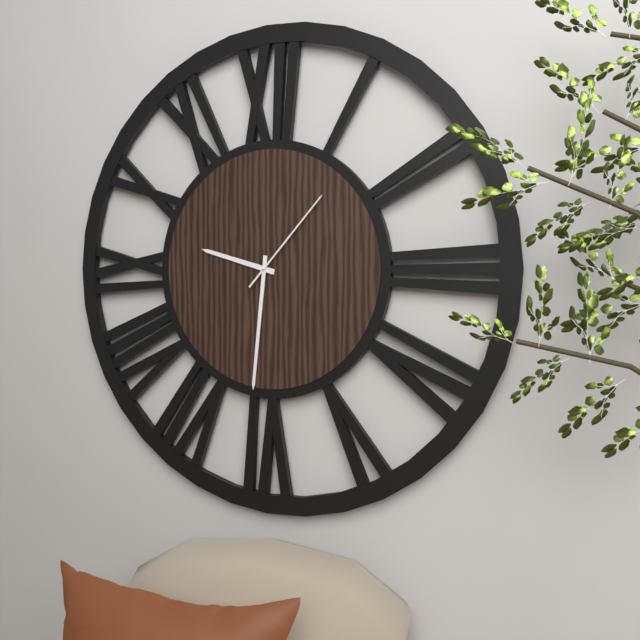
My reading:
**9:31:07**
